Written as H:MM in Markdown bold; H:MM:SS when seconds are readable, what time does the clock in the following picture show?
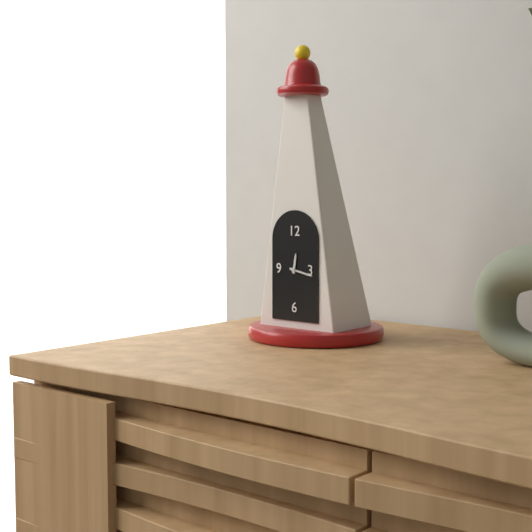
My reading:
**12:17**
